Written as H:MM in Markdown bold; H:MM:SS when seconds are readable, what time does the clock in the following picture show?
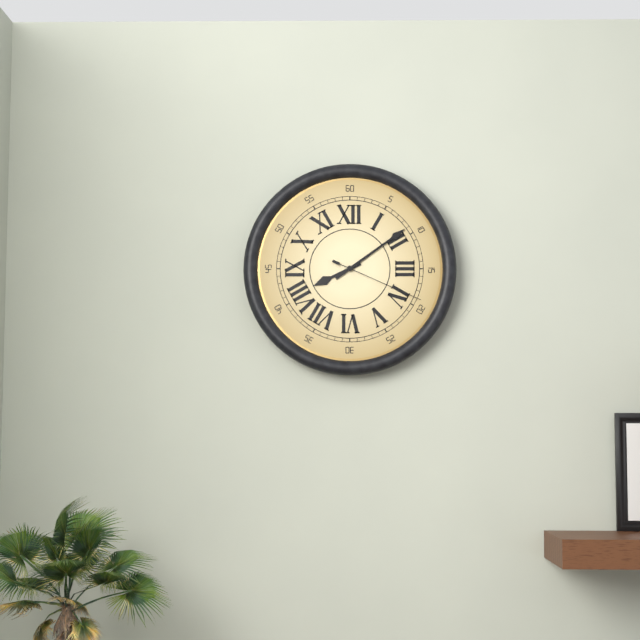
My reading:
**8:09:19**
